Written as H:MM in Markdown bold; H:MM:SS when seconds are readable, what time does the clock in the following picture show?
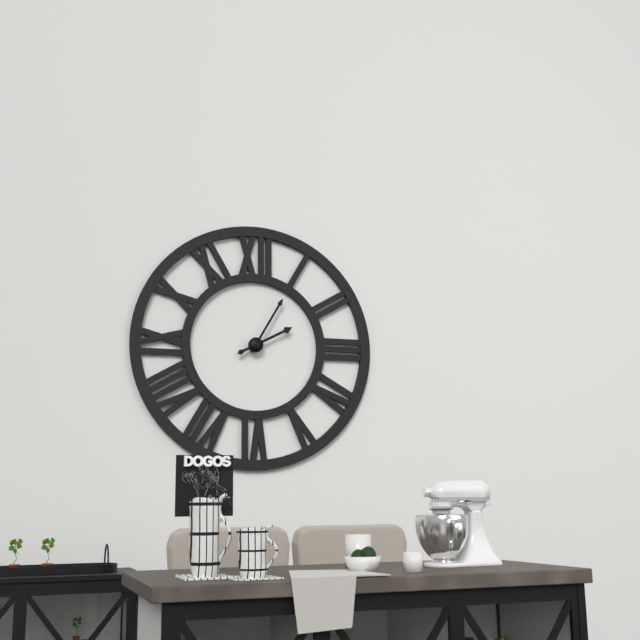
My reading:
**2:05**
